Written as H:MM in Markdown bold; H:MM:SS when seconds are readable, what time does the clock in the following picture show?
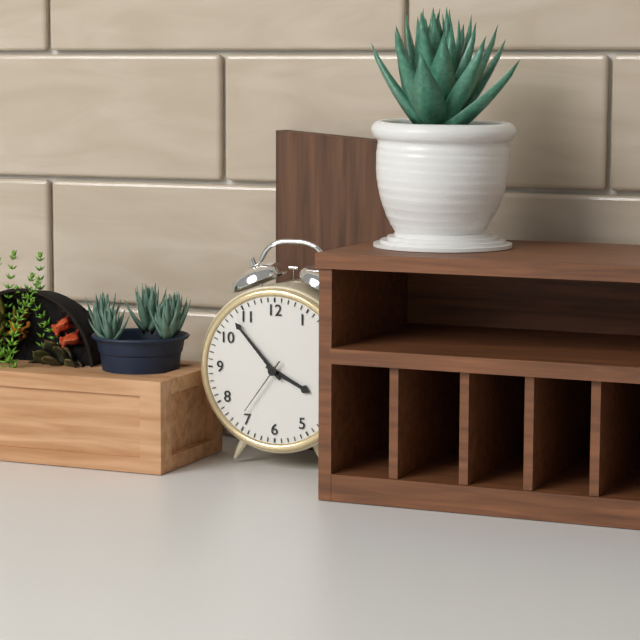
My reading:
**3:53:36**
